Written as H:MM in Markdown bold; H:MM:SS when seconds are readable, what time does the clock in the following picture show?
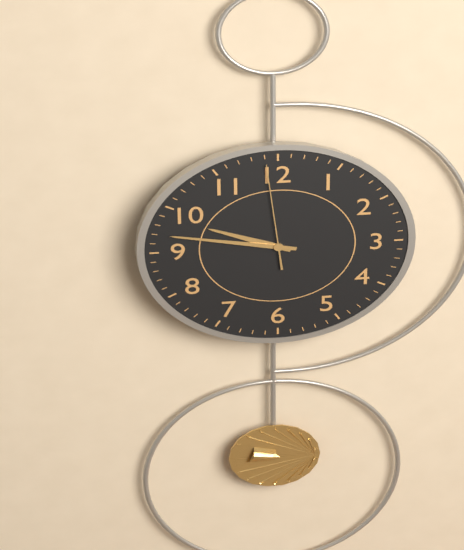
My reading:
**9:47:59**
